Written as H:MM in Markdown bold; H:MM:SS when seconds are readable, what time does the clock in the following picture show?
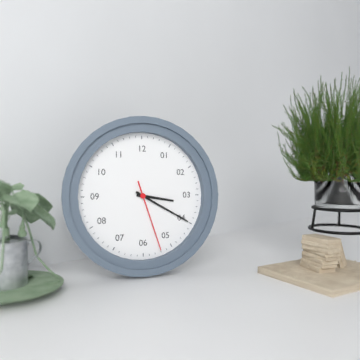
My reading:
**3:20:27**
